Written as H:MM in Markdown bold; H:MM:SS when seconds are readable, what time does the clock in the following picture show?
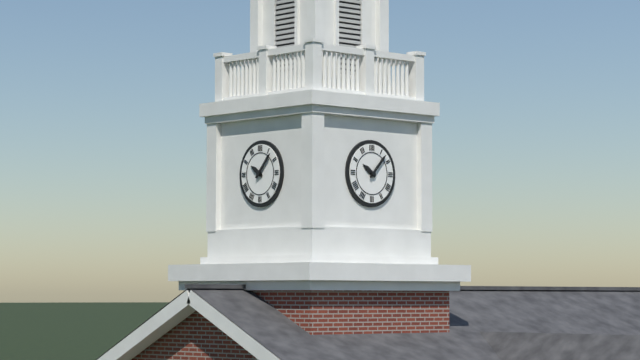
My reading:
**10:07**
